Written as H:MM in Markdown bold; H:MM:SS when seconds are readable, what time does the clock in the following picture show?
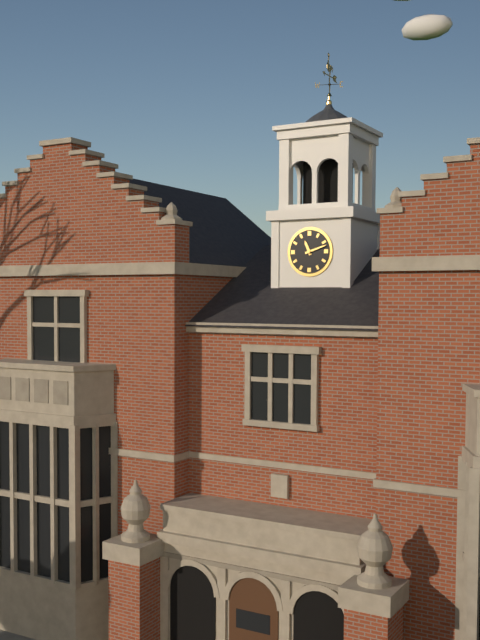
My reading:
**11:12**
